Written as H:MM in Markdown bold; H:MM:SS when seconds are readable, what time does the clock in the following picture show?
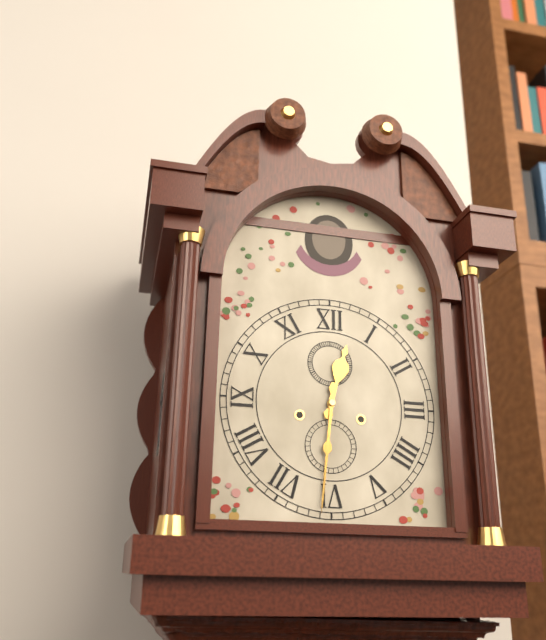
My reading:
**12:31**
